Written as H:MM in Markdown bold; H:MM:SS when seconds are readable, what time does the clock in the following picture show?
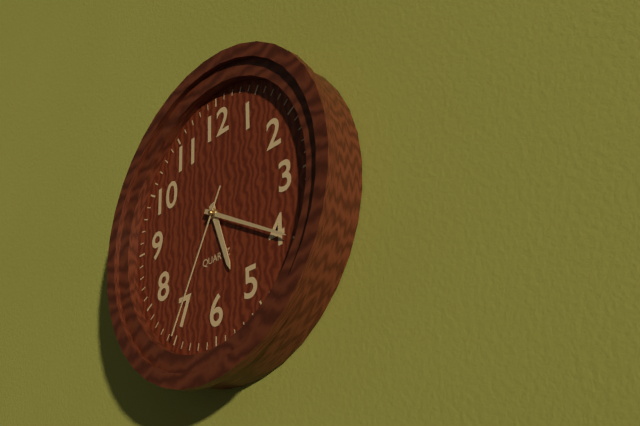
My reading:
**5:20:35**
